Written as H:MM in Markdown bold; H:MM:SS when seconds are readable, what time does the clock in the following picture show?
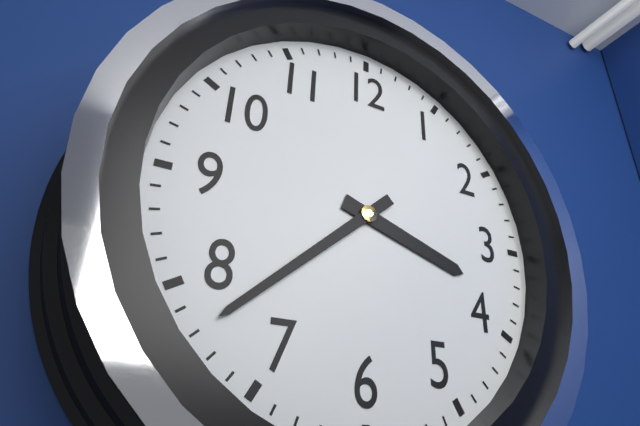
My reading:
**3:38**
